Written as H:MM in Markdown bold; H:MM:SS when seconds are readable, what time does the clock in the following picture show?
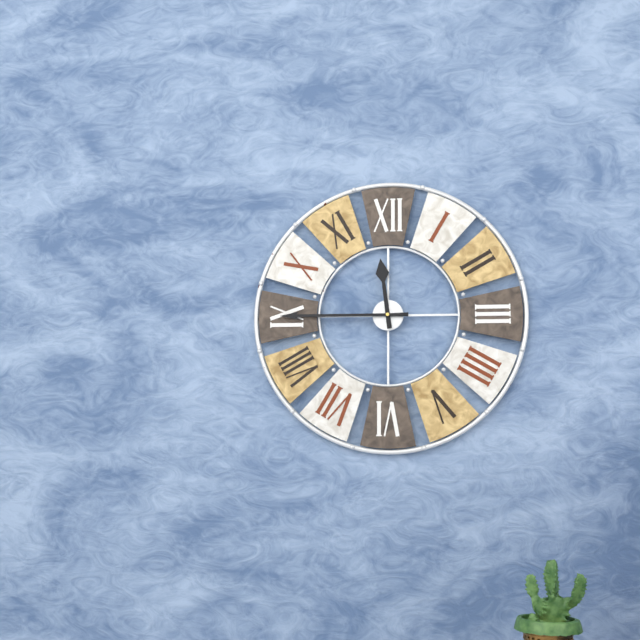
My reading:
**11:45**
